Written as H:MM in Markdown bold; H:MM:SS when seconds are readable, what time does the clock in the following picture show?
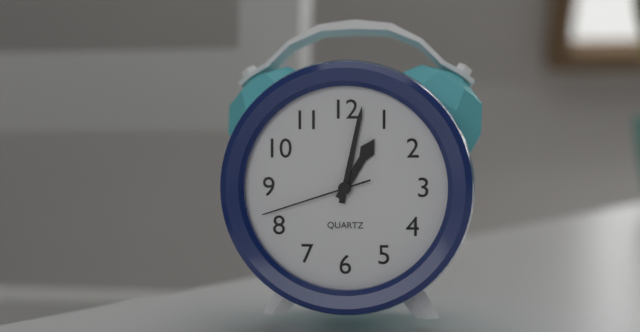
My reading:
**1:02:42**
